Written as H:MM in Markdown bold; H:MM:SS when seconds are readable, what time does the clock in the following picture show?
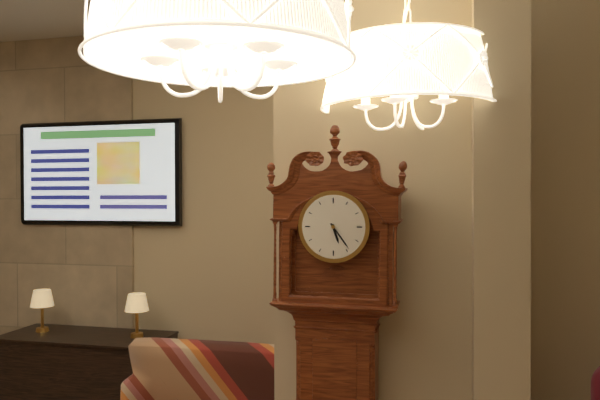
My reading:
**5:24**
